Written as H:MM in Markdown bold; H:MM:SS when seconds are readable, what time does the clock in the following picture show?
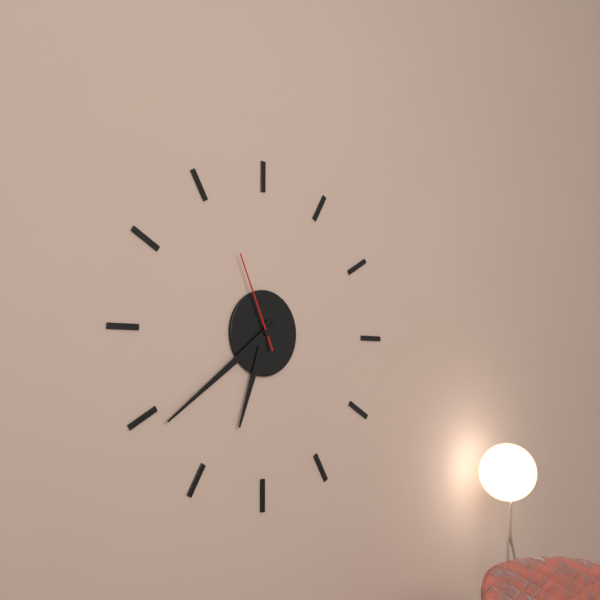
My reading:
**6:39:56**
